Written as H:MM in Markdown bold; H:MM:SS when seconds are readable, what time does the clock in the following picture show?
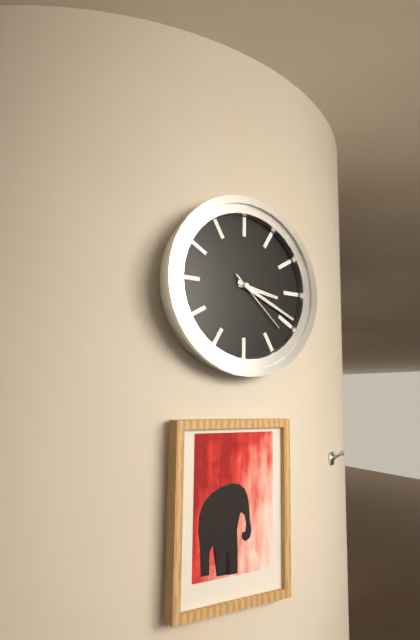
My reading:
**3:19:22**
